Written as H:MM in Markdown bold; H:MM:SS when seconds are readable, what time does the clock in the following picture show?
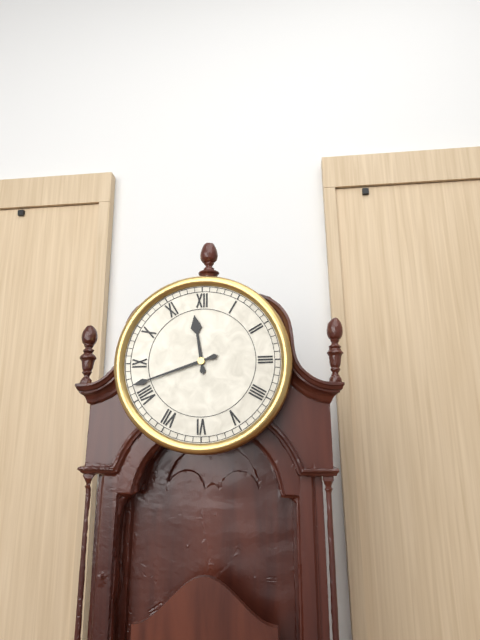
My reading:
**11:42**
